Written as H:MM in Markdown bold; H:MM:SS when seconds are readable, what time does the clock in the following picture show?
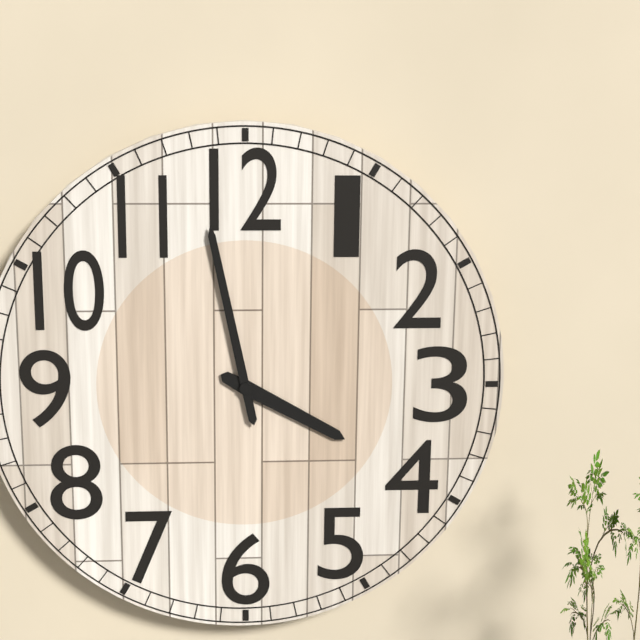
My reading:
**3:58**
